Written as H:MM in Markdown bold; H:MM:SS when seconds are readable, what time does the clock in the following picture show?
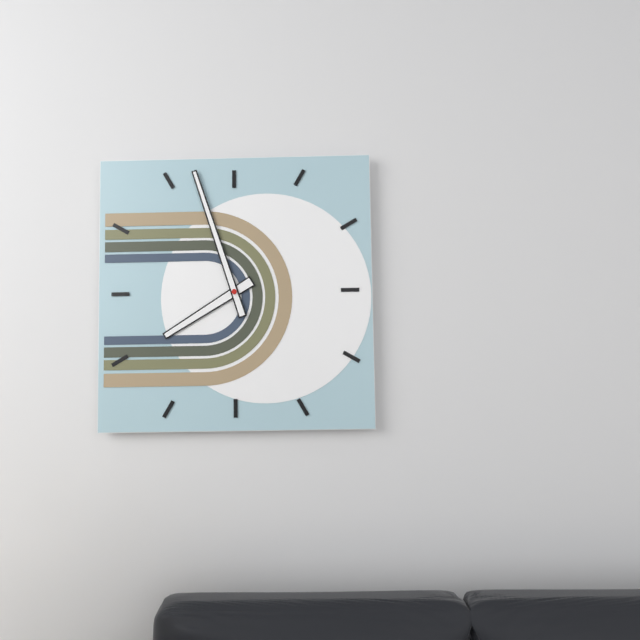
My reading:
**7:57**
